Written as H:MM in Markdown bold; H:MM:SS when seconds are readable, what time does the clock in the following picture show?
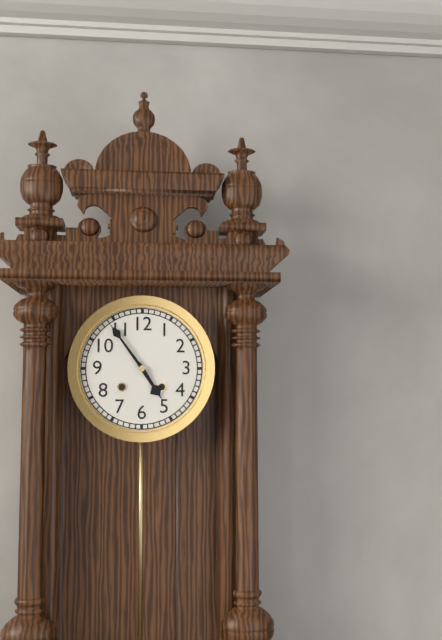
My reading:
**4:54**
